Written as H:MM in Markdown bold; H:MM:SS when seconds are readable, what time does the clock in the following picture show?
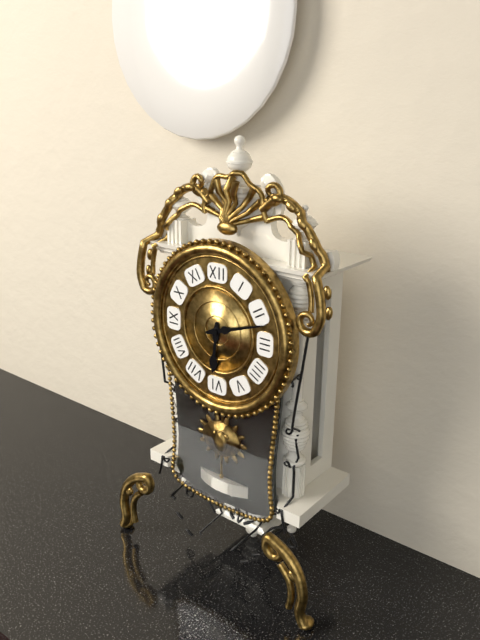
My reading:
**6:12**
